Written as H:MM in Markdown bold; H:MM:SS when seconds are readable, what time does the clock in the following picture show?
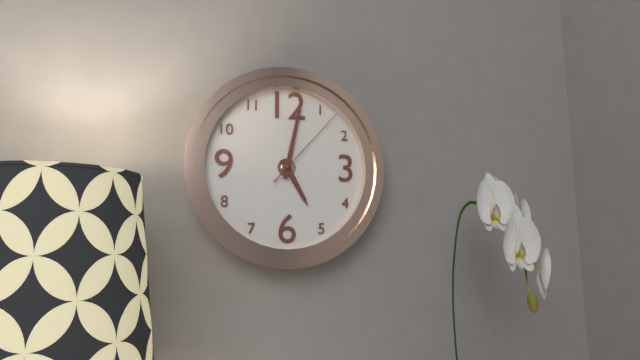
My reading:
**5:02:07**
